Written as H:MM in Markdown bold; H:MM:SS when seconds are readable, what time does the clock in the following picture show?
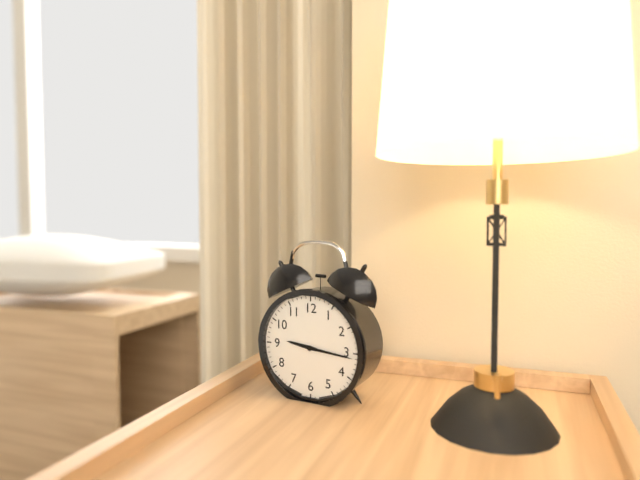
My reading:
**9:16**
